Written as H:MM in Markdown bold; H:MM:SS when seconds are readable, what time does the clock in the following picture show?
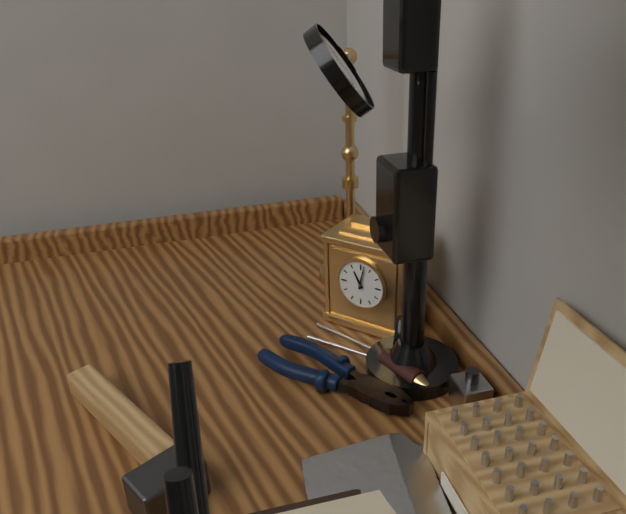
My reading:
**11:02**
